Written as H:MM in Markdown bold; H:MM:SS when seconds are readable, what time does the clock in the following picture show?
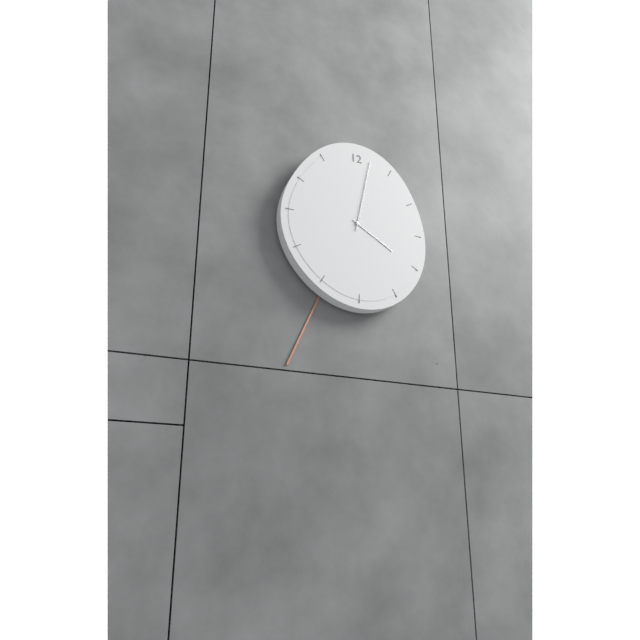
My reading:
**4:02:34**
